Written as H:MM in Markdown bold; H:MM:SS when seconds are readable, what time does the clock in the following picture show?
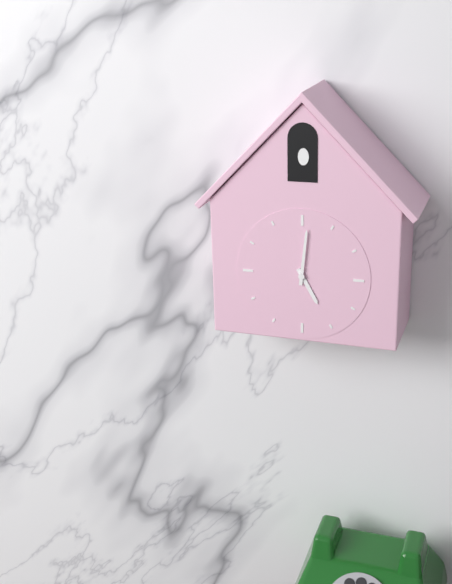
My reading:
**5:01**
